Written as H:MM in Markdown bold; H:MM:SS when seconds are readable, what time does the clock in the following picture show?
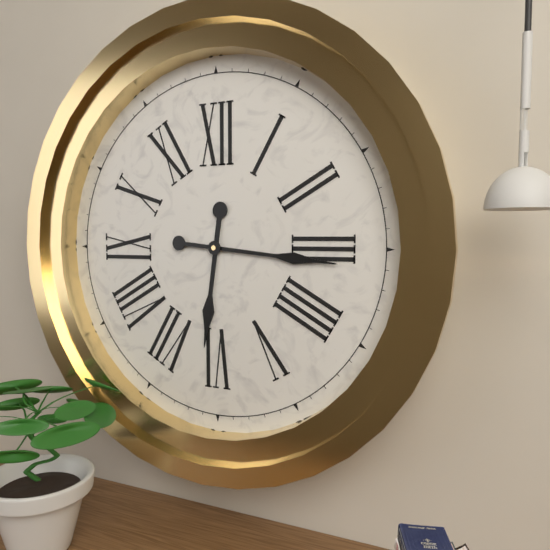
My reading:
**6:16**
